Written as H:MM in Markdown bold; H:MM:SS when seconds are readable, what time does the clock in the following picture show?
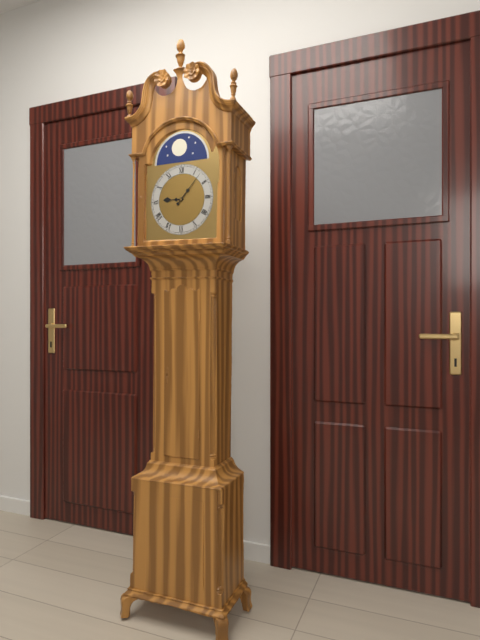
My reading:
**9:07**
